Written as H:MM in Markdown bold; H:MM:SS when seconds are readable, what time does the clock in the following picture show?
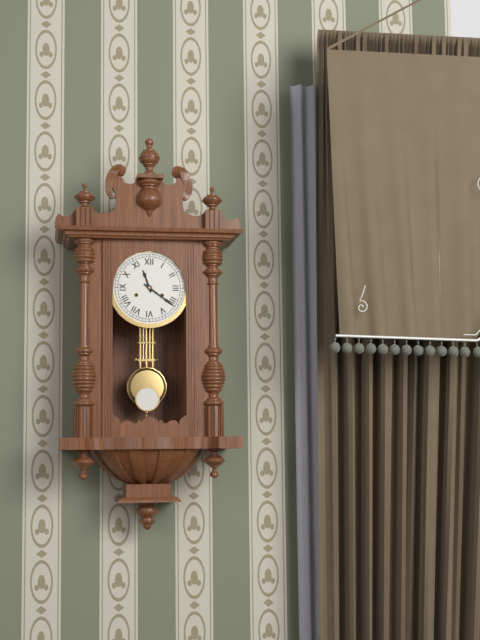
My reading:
**11:21**
